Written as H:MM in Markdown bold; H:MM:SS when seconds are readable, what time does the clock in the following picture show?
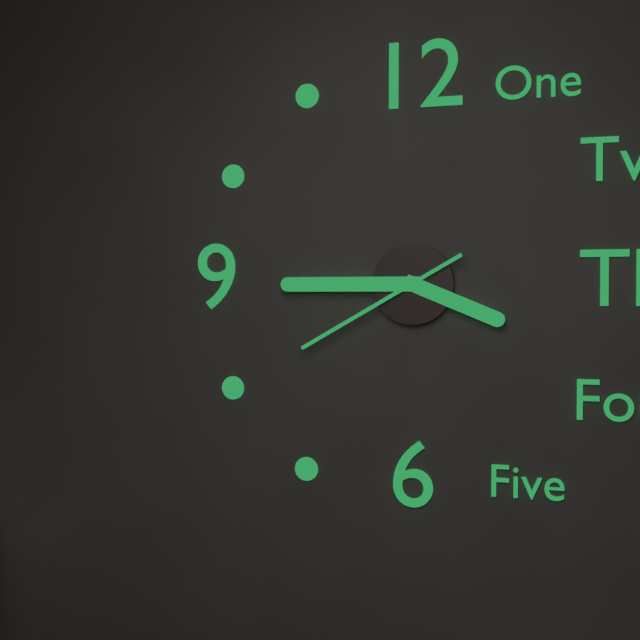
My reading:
**3:45:40**
